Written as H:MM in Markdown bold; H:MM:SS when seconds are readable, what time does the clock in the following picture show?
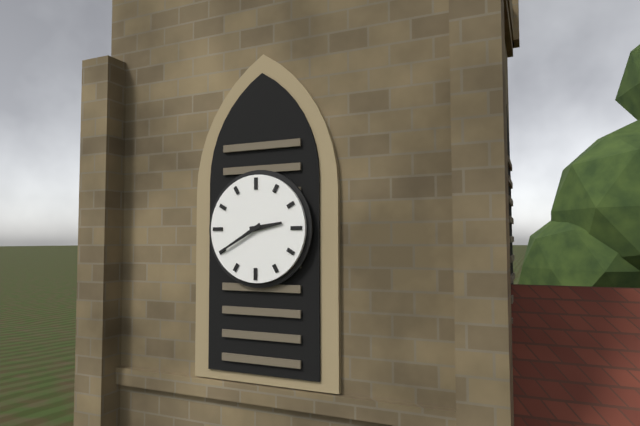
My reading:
**2:40**
